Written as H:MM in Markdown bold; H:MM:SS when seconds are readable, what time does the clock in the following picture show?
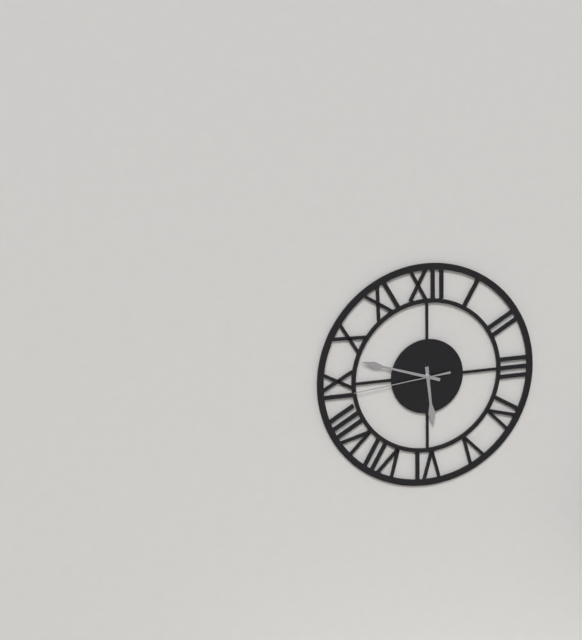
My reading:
**5:48:44**
